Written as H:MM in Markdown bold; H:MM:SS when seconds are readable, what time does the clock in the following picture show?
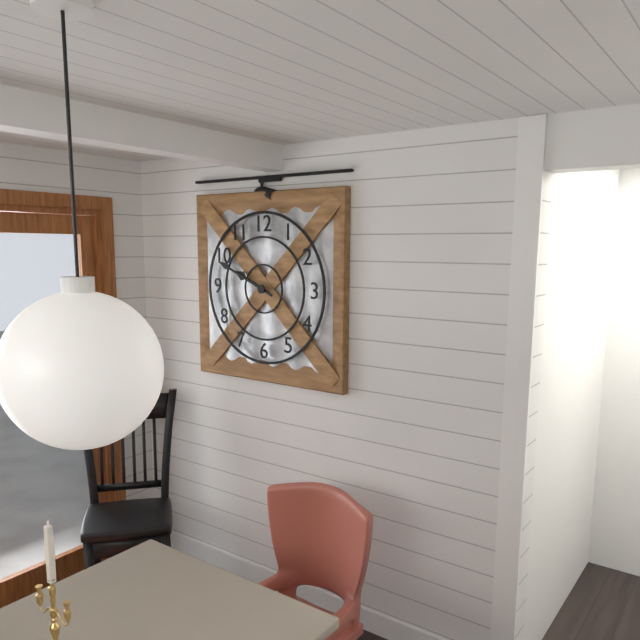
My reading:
**9:49**
